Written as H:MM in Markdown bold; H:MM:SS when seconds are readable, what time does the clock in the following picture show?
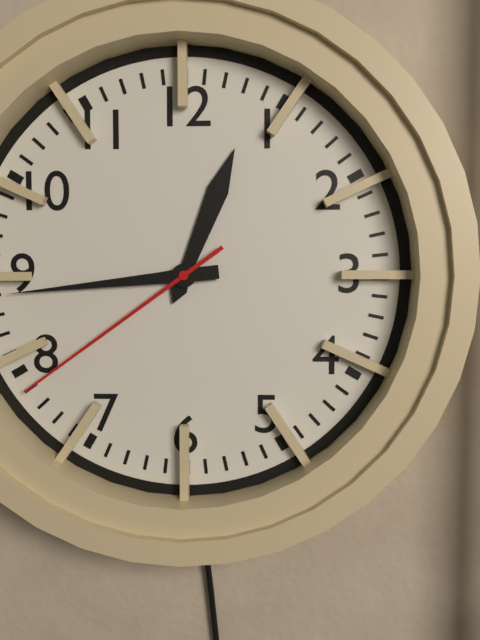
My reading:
**12:44:39**
